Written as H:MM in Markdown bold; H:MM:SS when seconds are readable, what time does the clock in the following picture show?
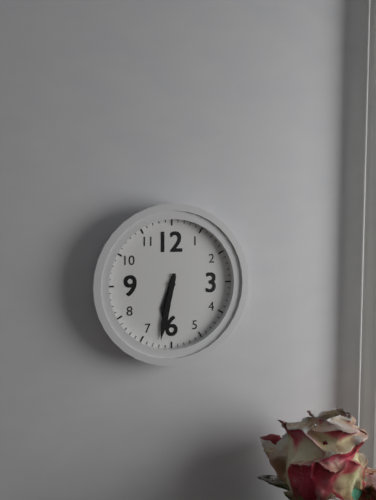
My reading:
**6:32**
